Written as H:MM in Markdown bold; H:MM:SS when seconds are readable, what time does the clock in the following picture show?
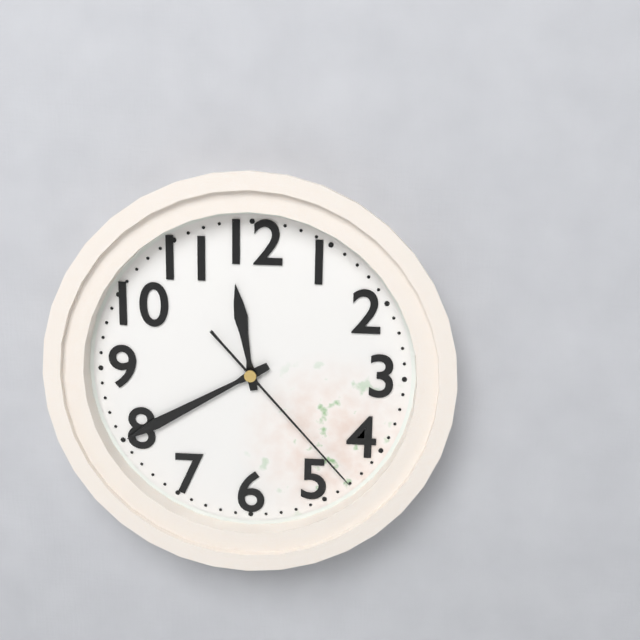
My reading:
**11:40:23**
